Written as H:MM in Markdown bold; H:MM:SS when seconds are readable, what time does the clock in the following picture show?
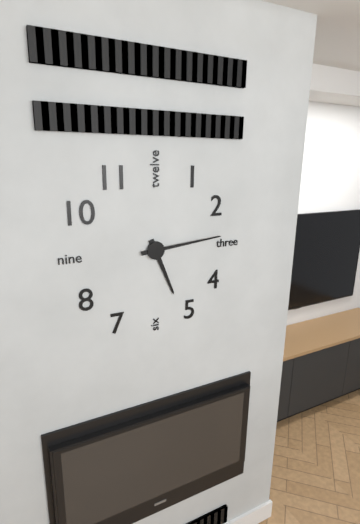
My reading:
**5:14**
